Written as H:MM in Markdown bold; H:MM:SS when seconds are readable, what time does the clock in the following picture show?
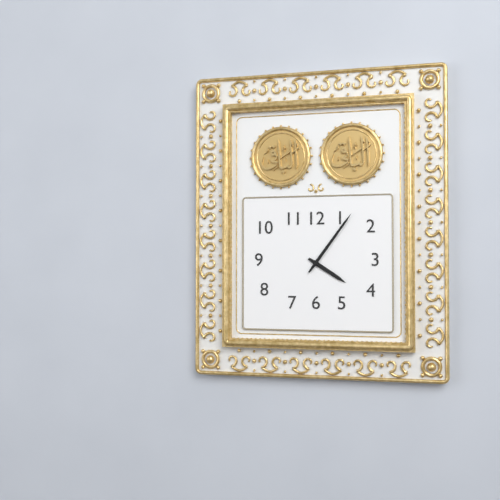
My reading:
**4:06**
